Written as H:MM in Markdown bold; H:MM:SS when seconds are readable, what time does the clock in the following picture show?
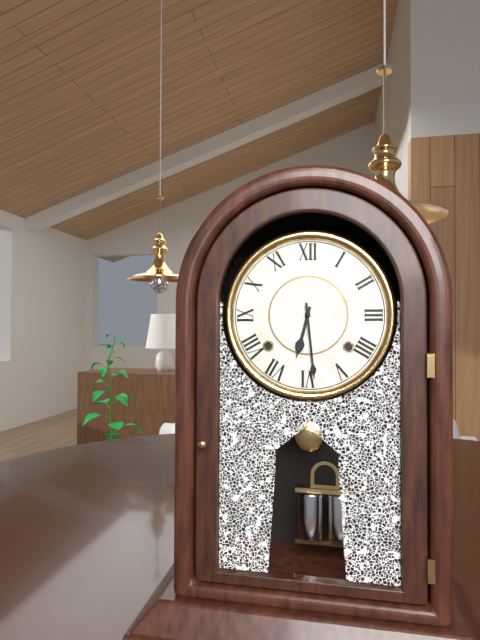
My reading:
**6:29**
